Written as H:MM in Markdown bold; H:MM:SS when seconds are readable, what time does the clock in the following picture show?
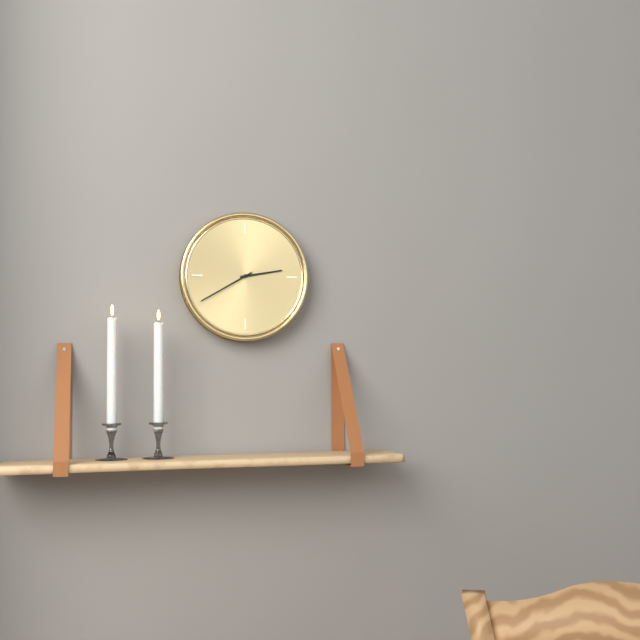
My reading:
**2:40**
